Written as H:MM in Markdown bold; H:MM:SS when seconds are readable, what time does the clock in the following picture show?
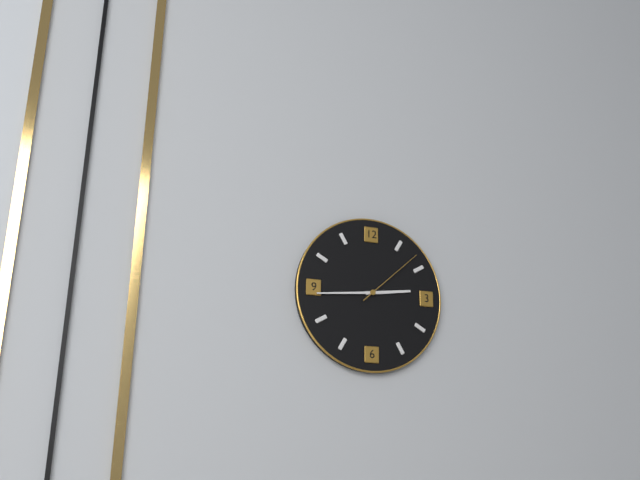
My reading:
**2:44:08**
